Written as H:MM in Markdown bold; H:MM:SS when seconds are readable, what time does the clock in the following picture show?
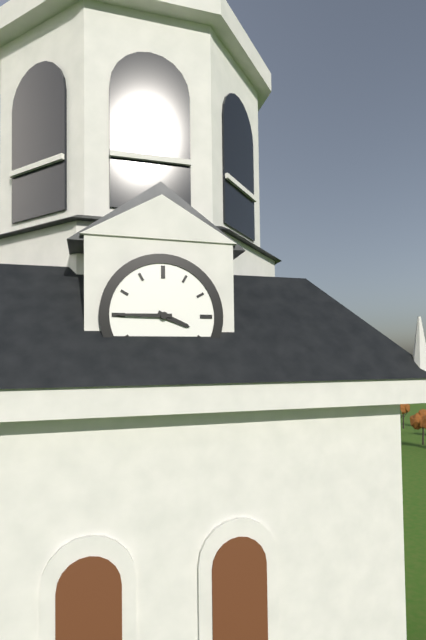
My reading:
**3:45**
